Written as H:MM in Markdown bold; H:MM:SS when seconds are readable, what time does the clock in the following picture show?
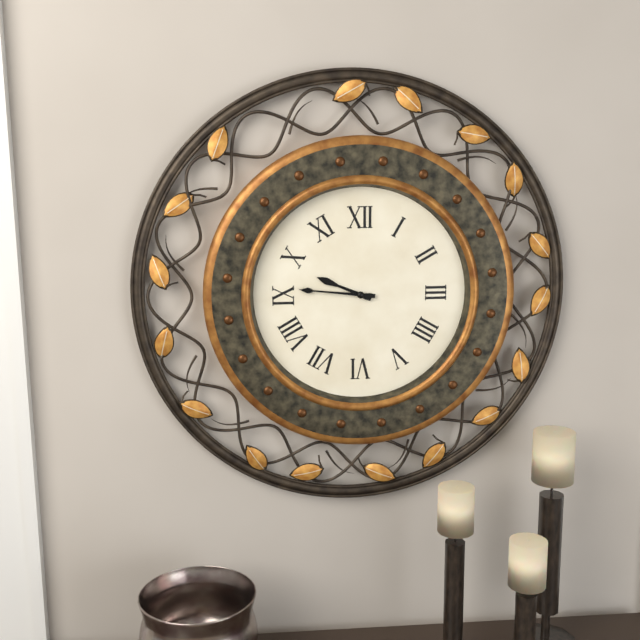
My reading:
**9:46**
